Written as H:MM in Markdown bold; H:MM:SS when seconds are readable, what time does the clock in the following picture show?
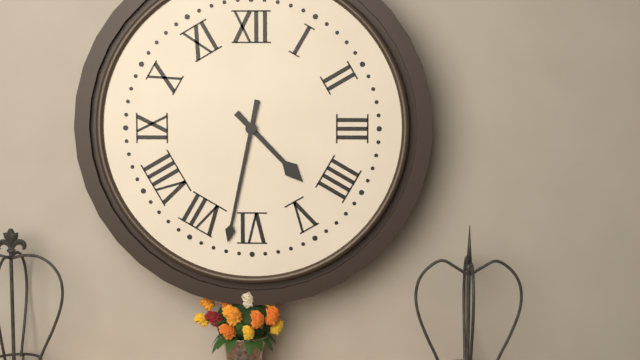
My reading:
**4:32**
